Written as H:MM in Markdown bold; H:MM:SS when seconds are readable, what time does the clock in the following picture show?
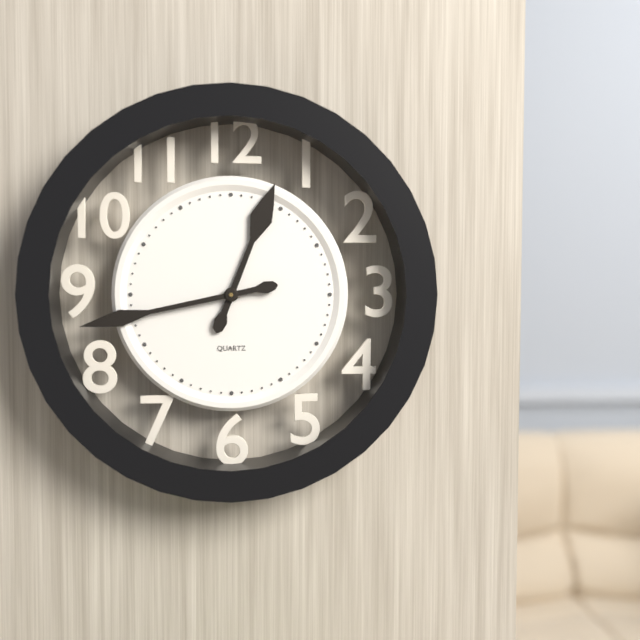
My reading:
**12:43**
